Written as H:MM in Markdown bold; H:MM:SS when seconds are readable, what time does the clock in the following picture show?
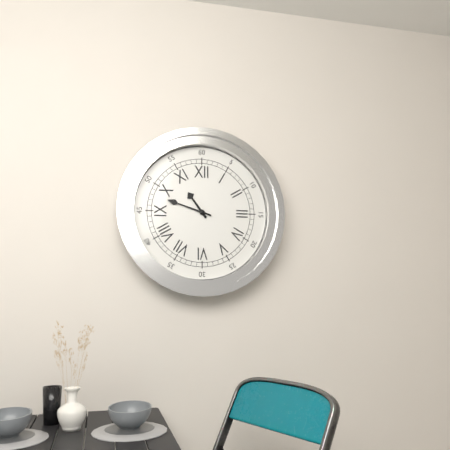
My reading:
**10:48**
